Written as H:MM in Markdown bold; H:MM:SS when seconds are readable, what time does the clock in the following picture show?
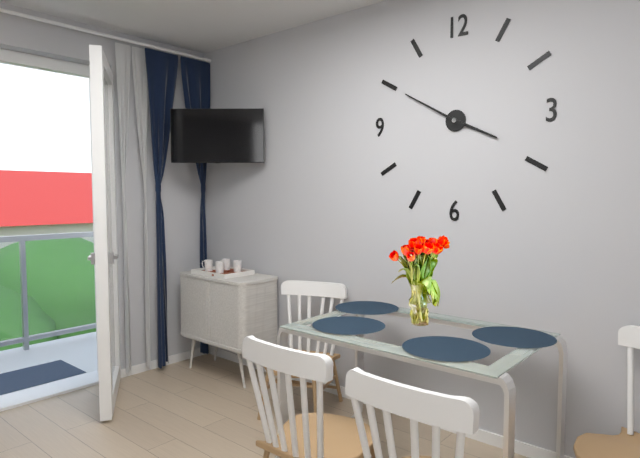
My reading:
**3:50**
